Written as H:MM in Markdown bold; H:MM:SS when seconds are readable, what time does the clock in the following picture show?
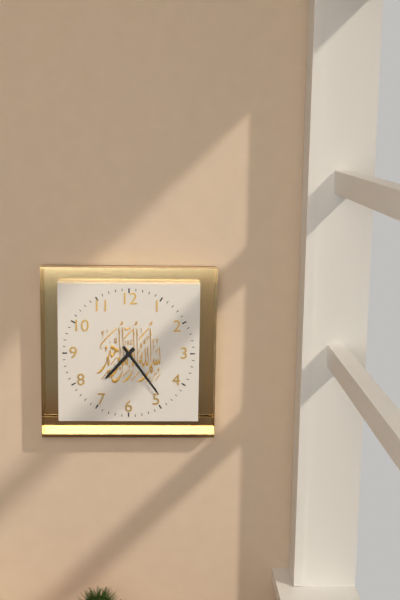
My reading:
**7:24**
